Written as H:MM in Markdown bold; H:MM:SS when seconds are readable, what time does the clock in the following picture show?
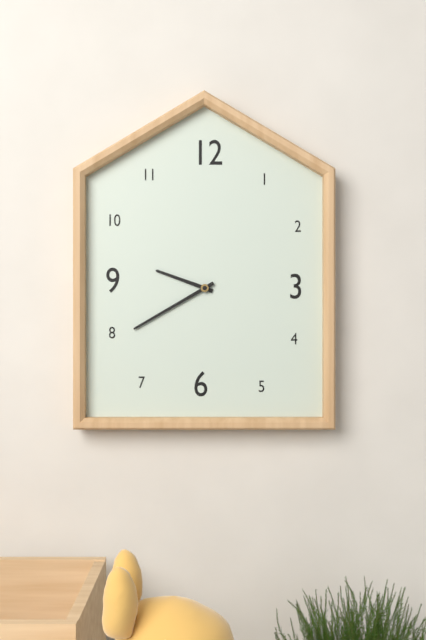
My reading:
**9:40**
